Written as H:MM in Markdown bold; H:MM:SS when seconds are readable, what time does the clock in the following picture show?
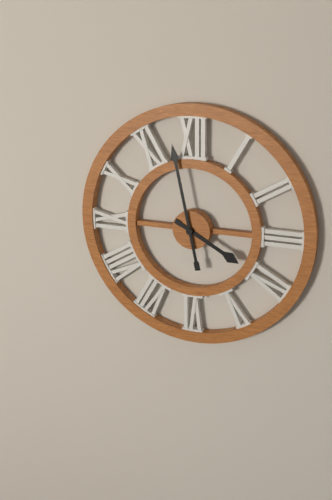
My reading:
**3:58**
